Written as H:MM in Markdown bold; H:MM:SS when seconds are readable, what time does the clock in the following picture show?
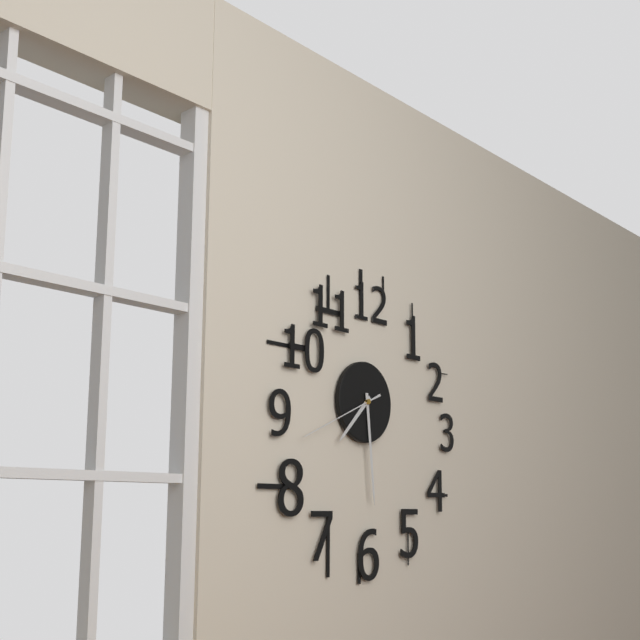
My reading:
**7:29:41**
